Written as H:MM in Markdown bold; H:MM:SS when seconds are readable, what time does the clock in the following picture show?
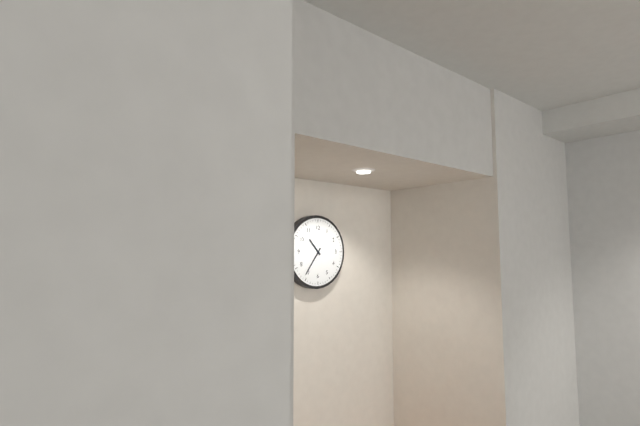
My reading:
**10:36**
